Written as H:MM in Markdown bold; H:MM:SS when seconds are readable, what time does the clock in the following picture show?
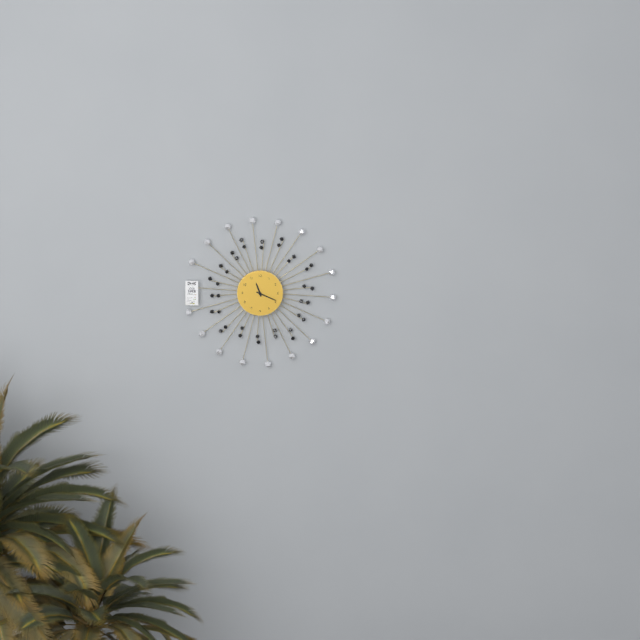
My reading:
**11:19**
